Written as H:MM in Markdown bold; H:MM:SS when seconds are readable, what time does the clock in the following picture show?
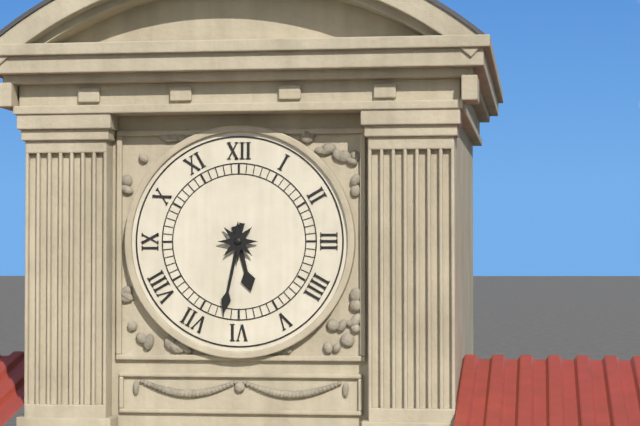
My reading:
**5:32**
